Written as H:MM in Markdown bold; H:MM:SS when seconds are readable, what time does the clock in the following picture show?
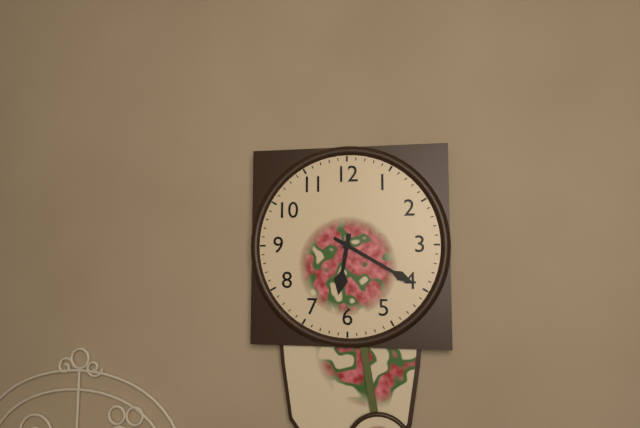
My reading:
**6:20**
